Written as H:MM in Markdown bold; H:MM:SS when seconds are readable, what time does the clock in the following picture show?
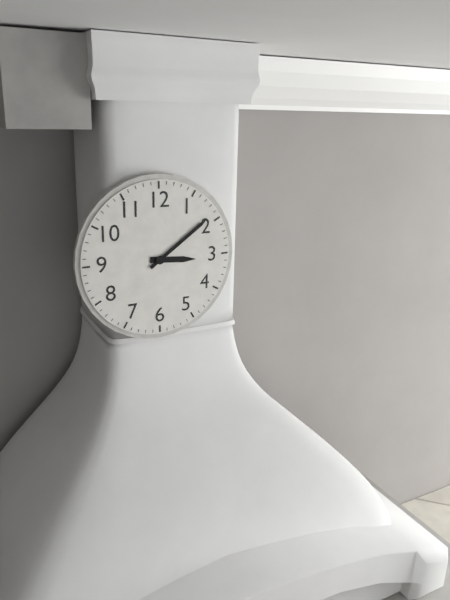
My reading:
**3:09**
